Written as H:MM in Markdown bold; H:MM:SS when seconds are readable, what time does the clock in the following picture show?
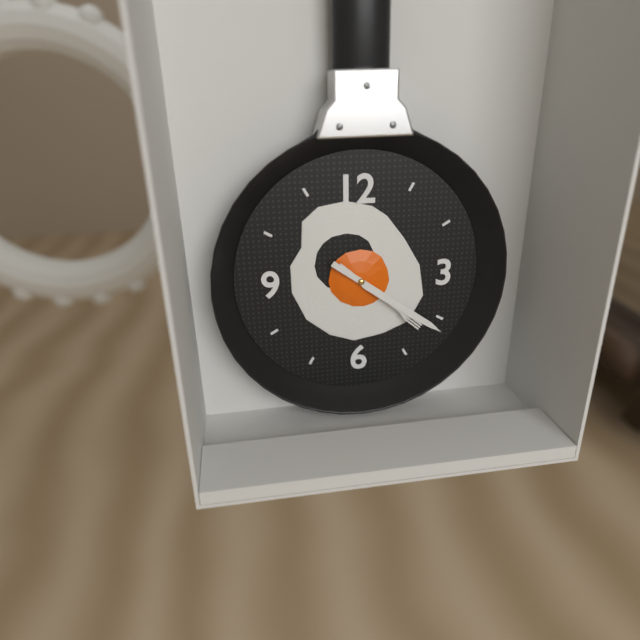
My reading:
**4:21**
